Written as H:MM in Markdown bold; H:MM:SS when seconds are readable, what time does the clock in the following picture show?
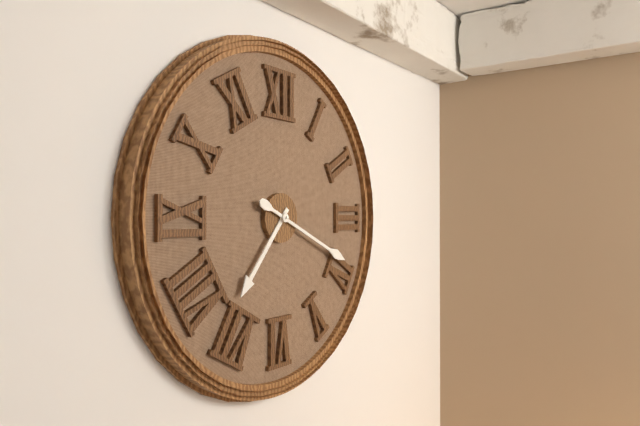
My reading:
**7:19**
